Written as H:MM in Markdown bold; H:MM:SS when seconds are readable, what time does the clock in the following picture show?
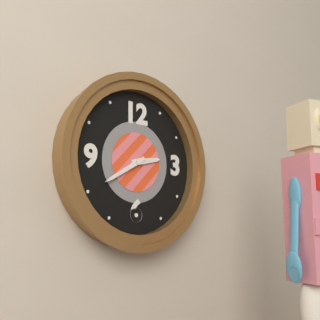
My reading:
**2:40**
